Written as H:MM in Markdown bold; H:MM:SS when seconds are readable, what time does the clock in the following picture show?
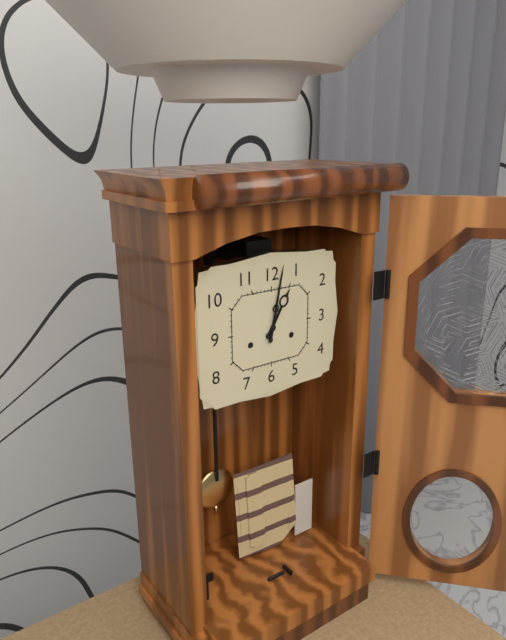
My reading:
**1:02**
